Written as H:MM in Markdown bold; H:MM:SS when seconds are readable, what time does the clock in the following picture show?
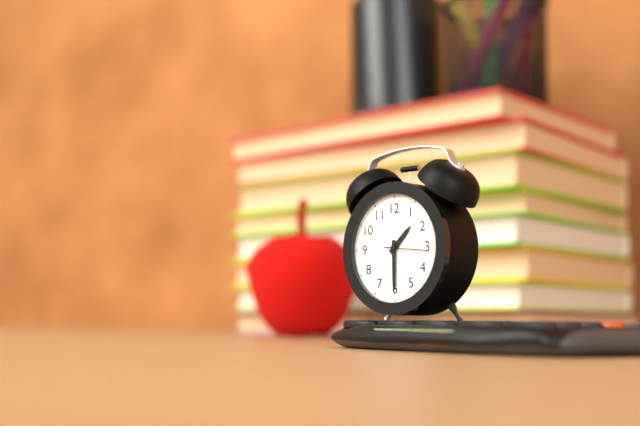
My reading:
**1:30**
